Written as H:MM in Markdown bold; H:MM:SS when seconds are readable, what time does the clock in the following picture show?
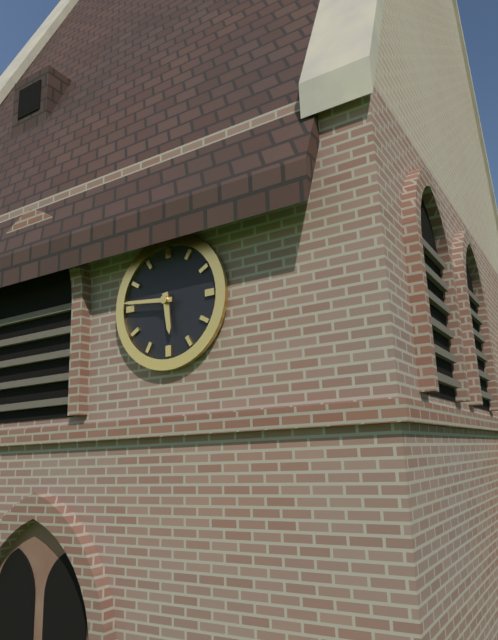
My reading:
**5:46**
